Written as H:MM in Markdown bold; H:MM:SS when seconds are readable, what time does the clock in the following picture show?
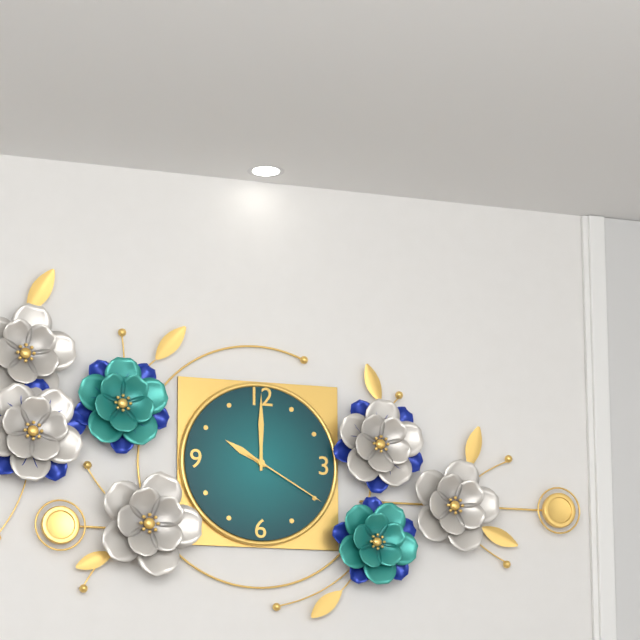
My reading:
**10:00:20**
